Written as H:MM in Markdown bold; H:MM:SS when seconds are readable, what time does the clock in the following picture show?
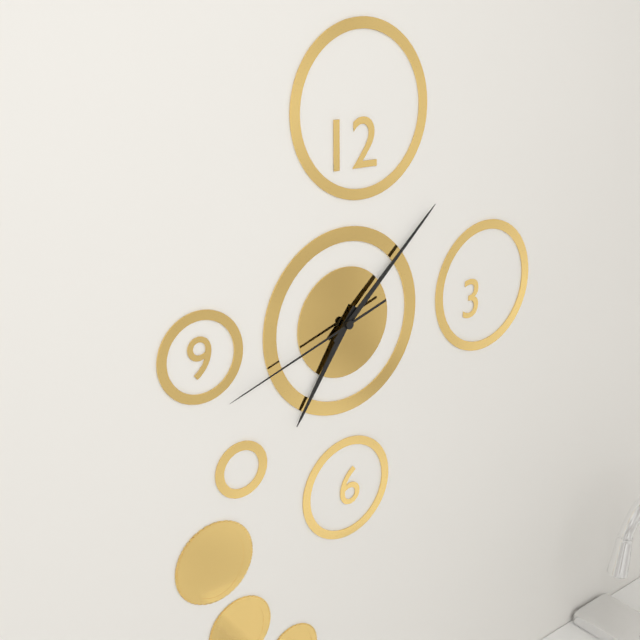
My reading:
**7:08:42**
